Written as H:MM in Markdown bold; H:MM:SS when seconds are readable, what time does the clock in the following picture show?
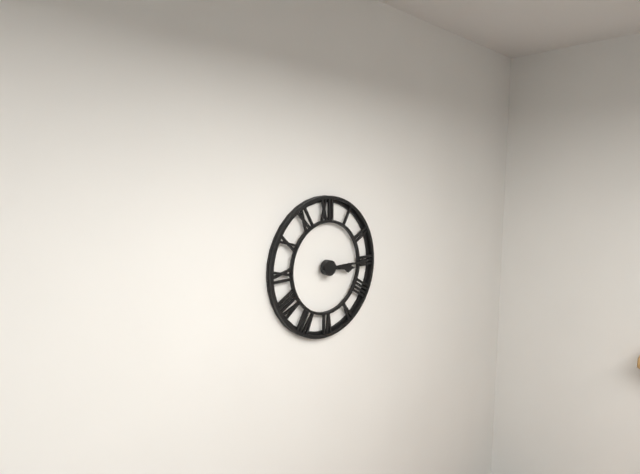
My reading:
**3:15**
